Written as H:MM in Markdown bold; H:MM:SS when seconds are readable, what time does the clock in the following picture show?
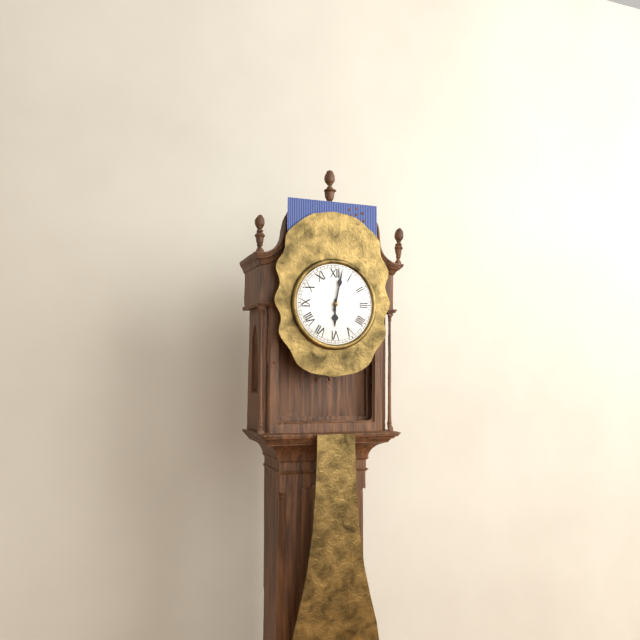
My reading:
**6:02**
